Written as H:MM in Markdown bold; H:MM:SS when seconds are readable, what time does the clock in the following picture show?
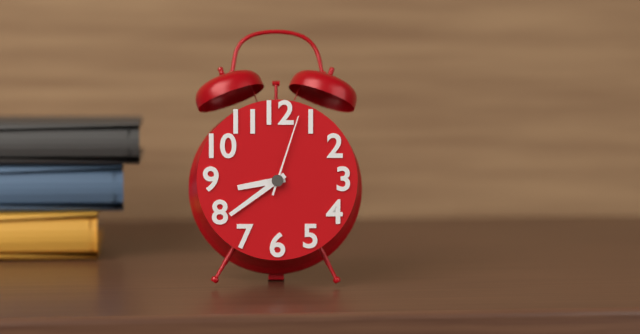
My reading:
**8:39:03**
